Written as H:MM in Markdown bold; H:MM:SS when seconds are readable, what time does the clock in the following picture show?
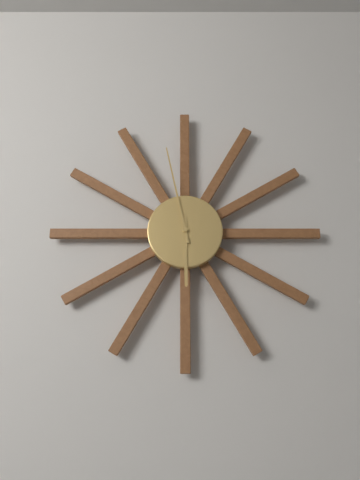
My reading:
**5:58**
